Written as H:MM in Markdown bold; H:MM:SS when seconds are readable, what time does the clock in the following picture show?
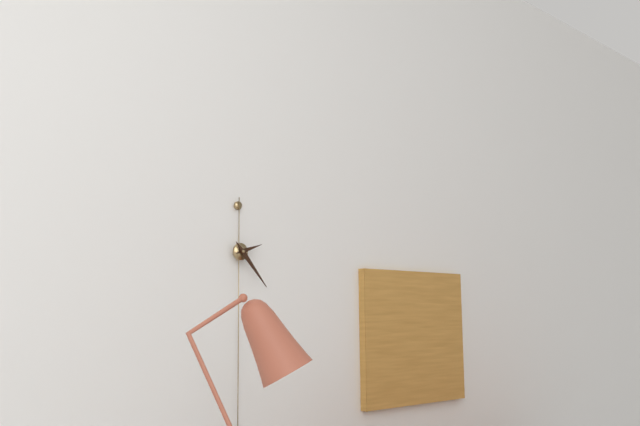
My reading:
**2:23**
